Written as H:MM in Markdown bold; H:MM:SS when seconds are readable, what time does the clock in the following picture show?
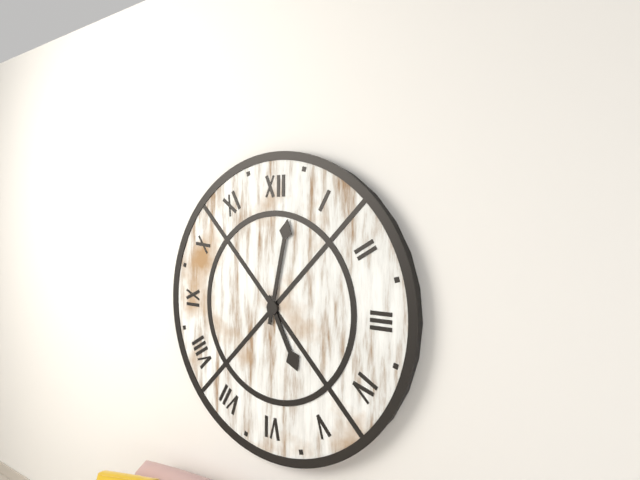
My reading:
**5:02**
